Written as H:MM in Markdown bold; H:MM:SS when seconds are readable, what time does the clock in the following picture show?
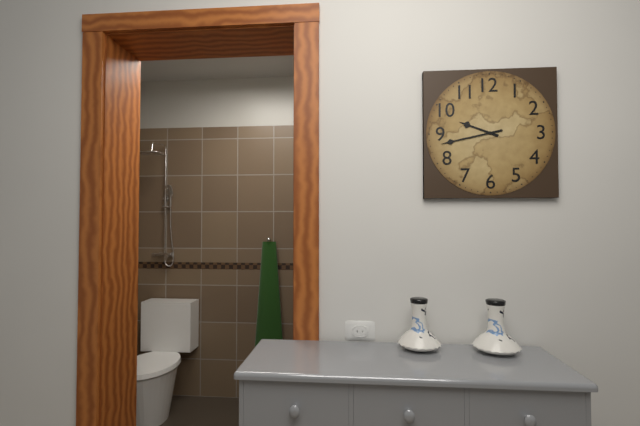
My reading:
**9:43**
